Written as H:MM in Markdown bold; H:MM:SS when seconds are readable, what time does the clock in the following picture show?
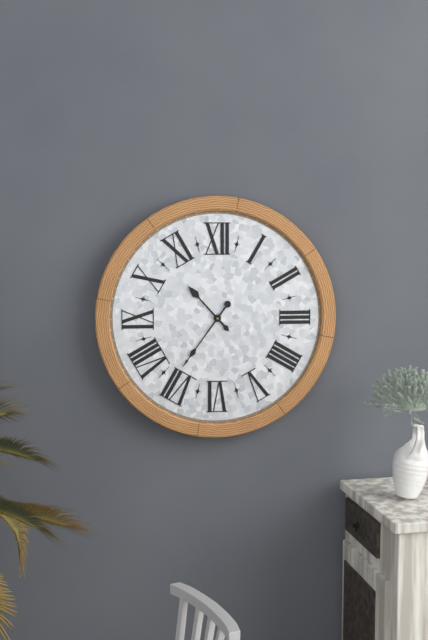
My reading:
**10:36**
